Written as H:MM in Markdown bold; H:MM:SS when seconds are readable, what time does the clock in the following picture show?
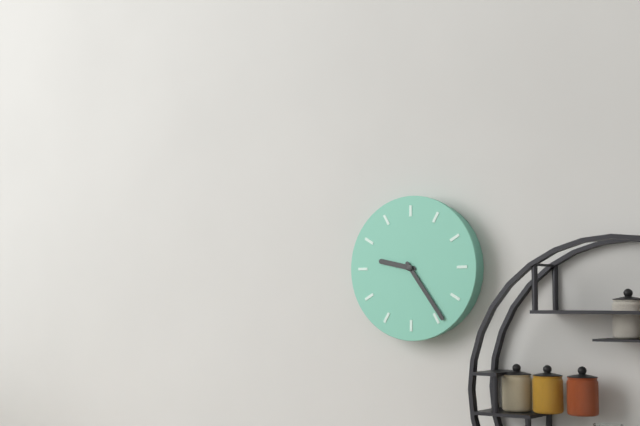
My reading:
**9:24**
